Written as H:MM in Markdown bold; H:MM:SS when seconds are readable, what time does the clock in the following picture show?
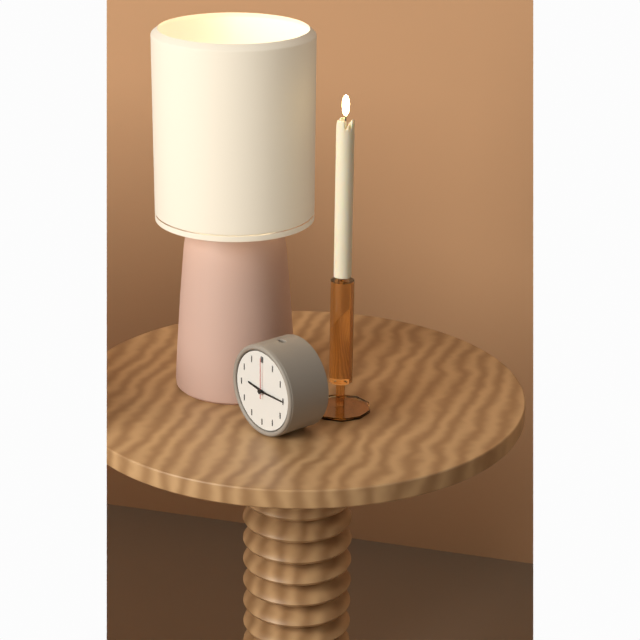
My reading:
**9:15**
